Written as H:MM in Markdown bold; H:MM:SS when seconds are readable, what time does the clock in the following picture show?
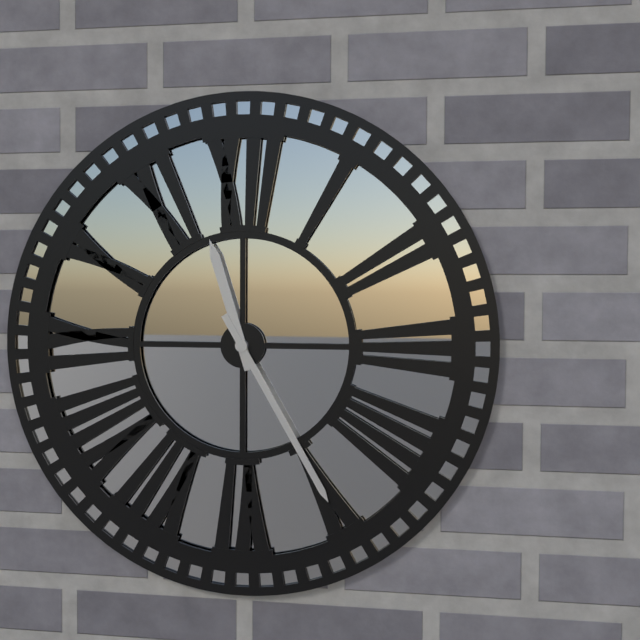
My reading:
**11:25**
